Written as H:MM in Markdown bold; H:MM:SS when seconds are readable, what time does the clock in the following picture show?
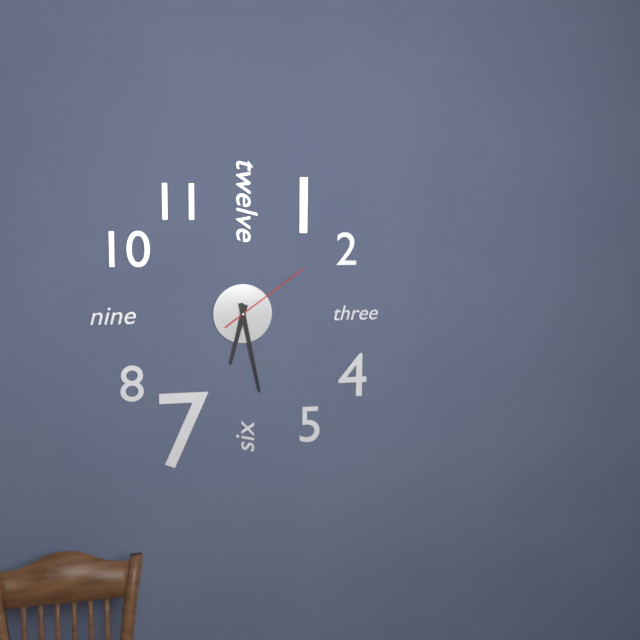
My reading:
**6:28:09**
